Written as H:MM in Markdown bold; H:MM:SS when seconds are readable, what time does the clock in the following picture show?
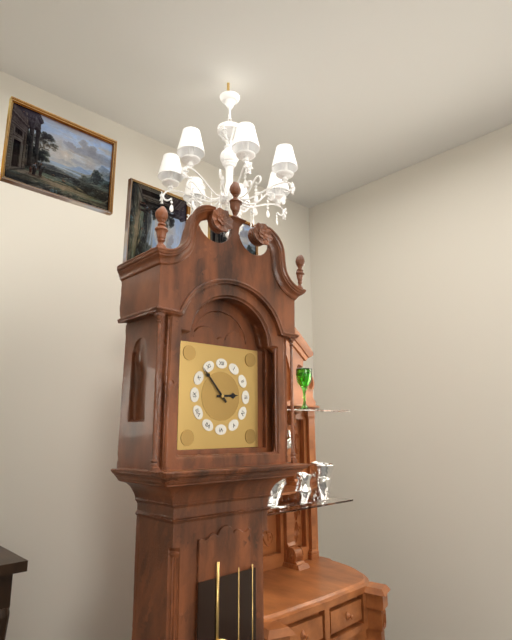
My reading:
**2:53**
